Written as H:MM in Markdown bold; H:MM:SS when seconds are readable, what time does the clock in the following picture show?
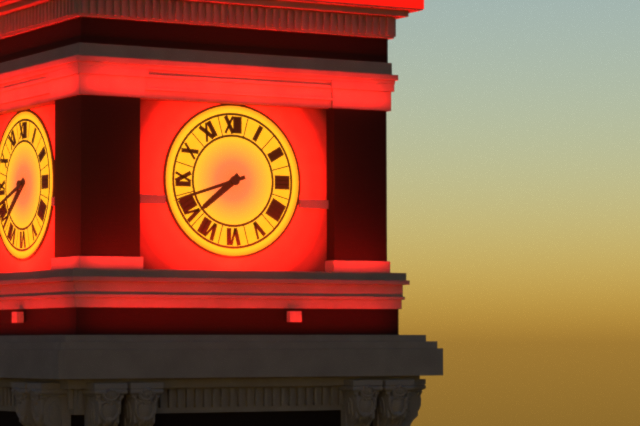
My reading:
**7:42**
